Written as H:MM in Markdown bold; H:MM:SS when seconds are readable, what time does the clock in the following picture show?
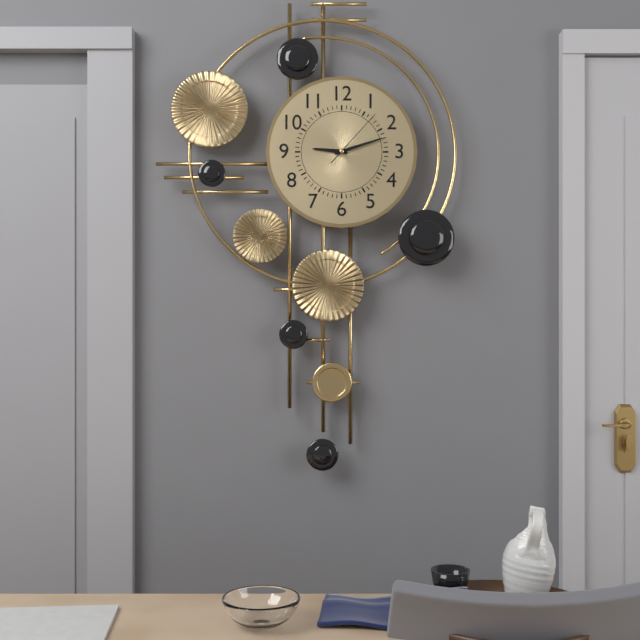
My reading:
**9:12:07**
